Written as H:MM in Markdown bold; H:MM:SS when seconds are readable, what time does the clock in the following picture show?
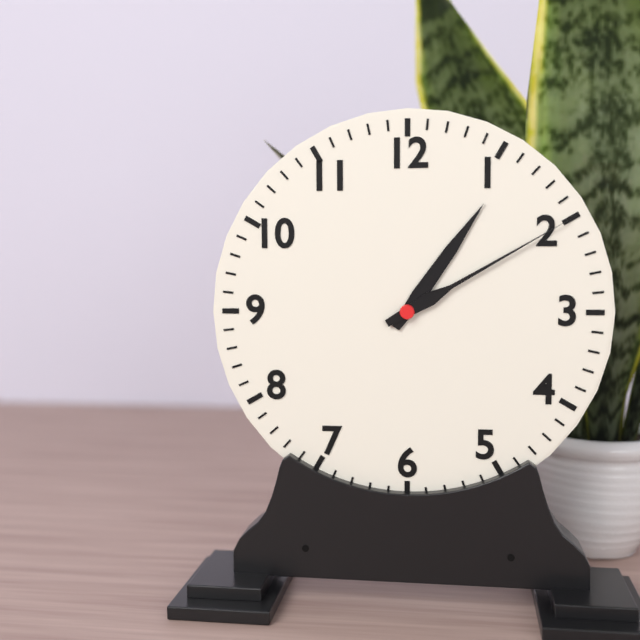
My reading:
**1:10**
